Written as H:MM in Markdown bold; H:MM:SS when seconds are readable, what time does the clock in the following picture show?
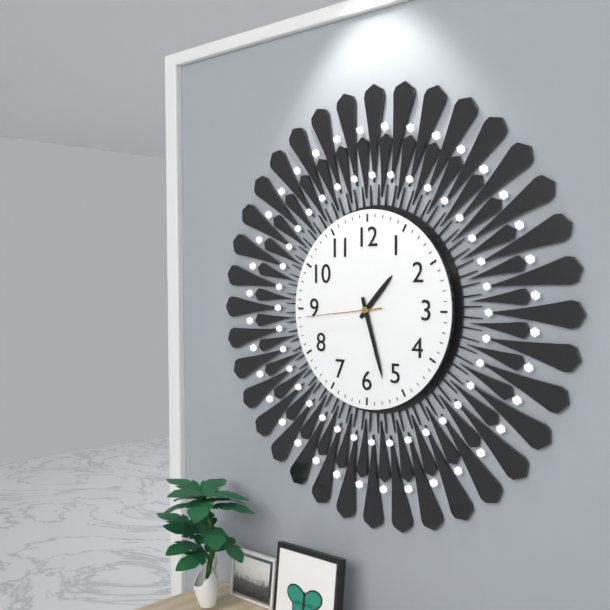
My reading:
**1:27:44**
